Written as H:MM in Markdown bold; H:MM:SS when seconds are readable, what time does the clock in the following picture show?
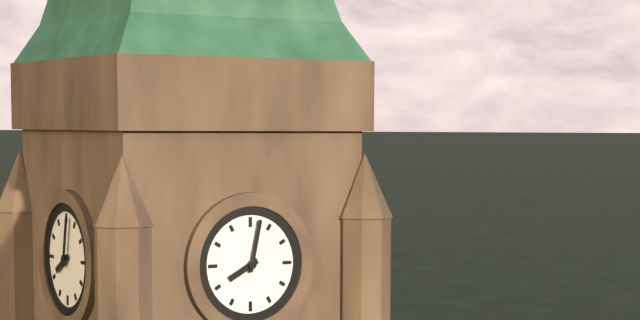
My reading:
**8:02**
